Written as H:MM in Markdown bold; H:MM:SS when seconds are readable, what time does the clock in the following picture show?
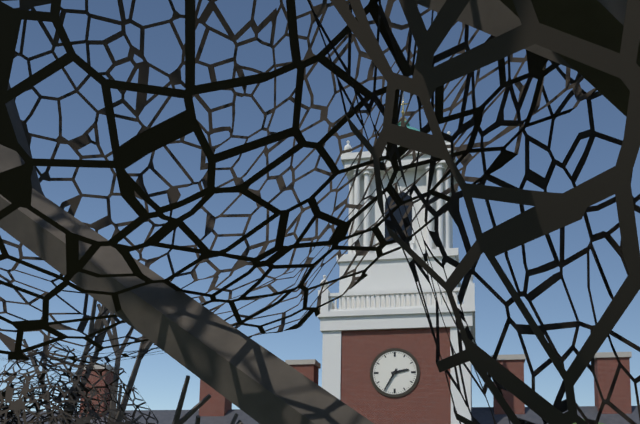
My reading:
**2:35**
